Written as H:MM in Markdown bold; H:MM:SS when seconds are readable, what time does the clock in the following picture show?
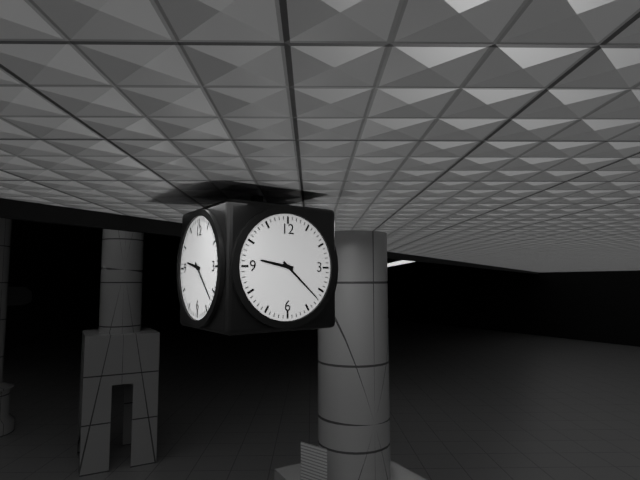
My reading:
**9:22**
